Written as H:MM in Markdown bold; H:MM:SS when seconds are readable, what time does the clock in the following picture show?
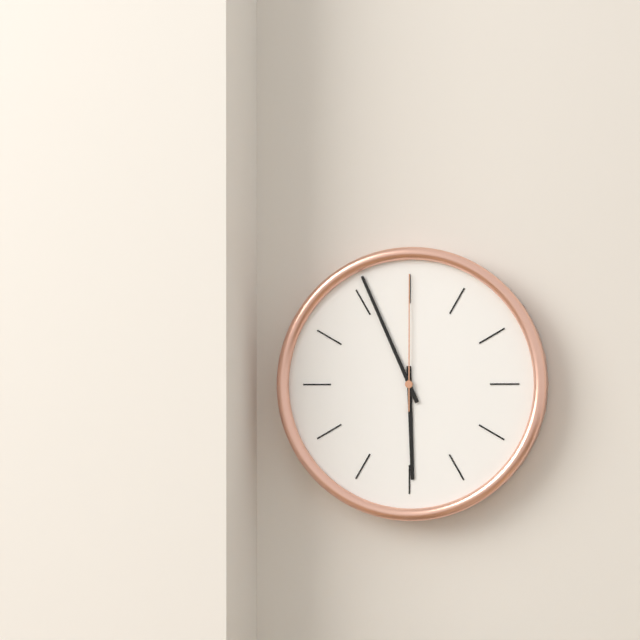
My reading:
**5:56:00**
